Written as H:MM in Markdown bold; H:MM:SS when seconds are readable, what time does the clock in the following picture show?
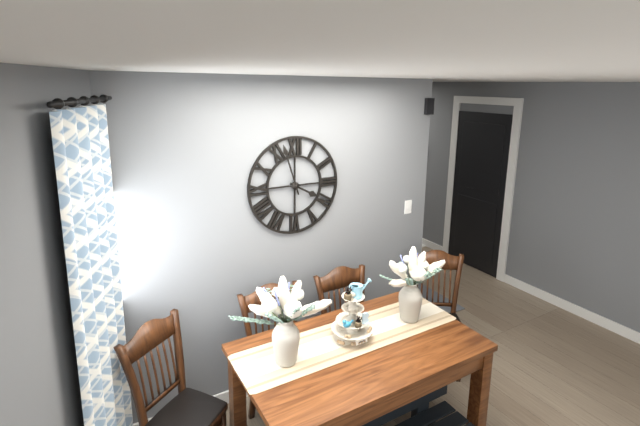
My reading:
**3:57**
